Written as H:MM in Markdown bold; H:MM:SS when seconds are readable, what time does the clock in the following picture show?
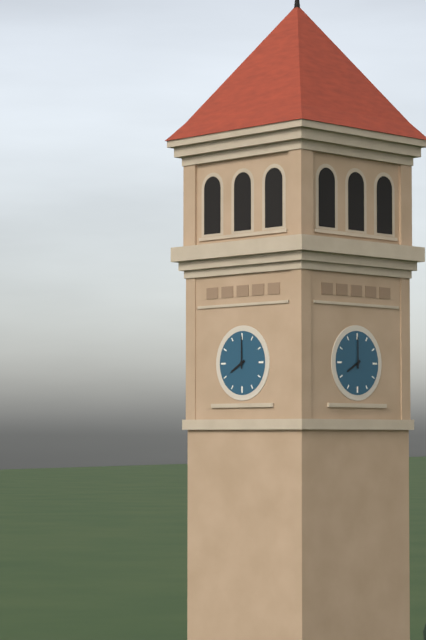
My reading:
**8:00**
